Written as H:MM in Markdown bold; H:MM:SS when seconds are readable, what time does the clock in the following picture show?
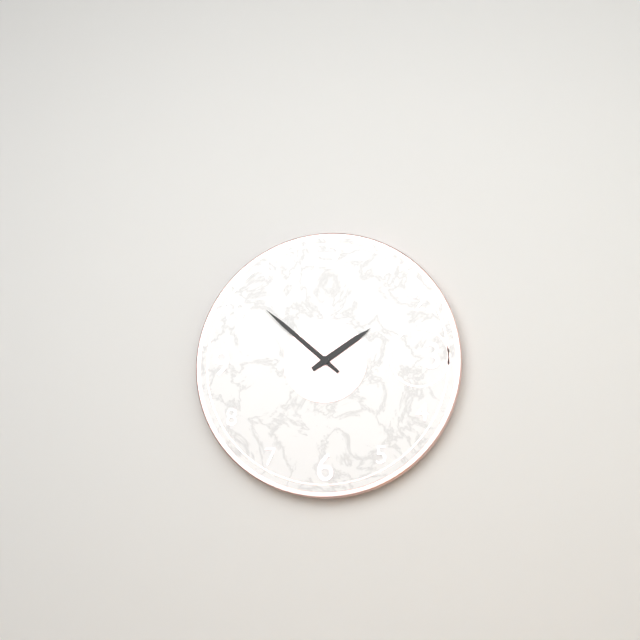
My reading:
**1:52**
